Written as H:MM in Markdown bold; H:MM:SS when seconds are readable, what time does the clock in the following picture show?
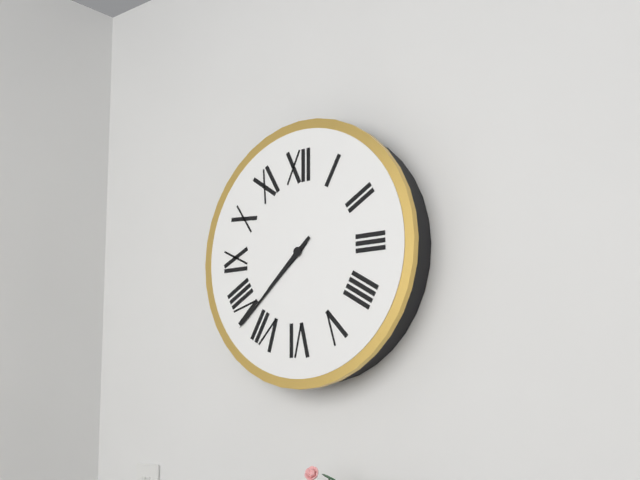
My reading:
**7:38**
